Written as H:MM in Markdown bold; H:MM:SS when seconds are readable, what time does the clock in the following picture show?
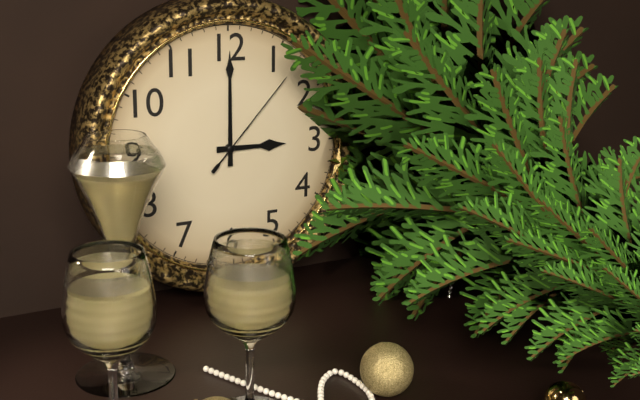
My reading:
**3:00:07**
